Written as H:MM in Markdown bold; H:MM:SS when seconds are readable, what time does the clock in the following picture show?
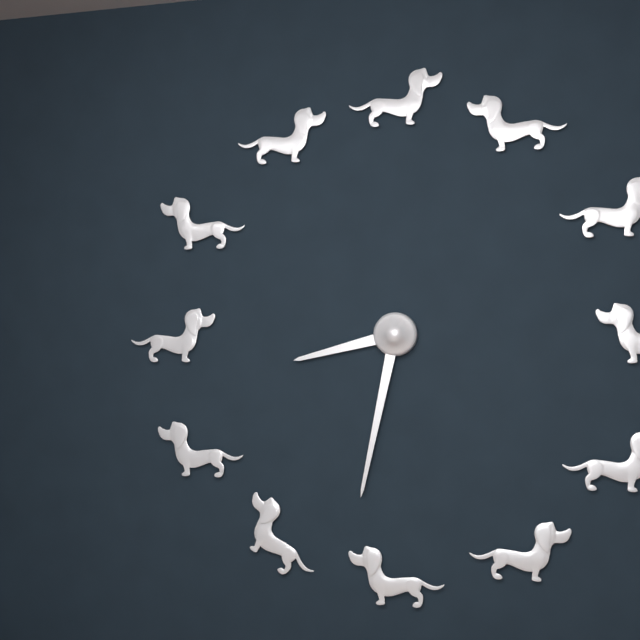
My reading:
**8:32**
